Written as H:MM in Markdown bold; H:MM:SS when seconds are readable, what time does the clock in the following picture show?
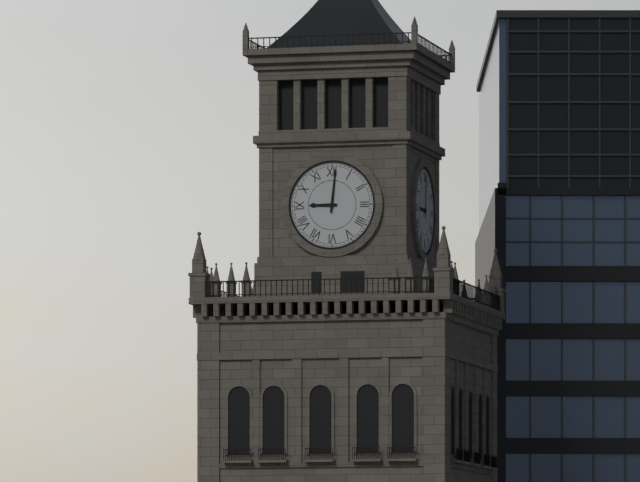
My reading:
**9:01**
